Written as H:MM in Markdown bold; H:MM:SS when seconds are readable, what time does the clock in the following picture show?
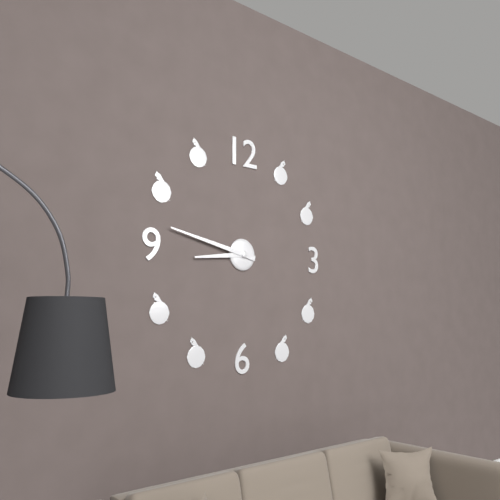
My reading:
**8:47**
